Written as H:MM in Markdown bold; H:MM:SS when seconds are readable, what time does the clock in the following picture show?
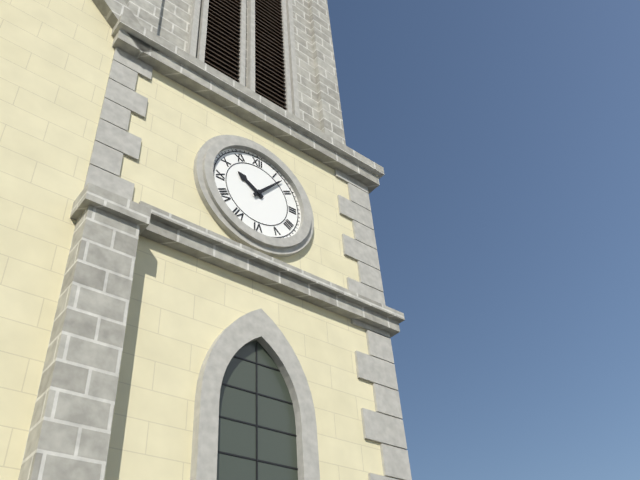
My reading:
**10:07**
